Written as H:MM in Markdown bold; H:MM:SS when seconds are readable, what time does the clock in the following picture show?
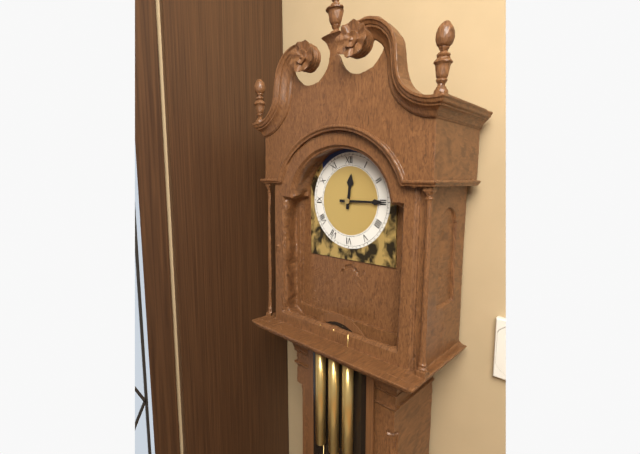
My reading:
**12:15**
